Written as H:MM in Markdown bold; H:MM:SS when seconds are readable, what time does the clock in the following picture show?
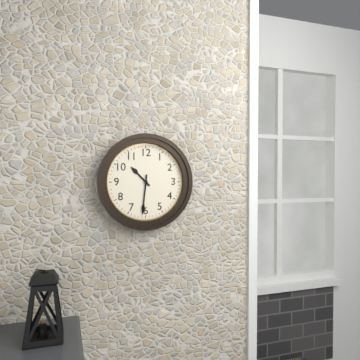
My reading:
**10:31**
